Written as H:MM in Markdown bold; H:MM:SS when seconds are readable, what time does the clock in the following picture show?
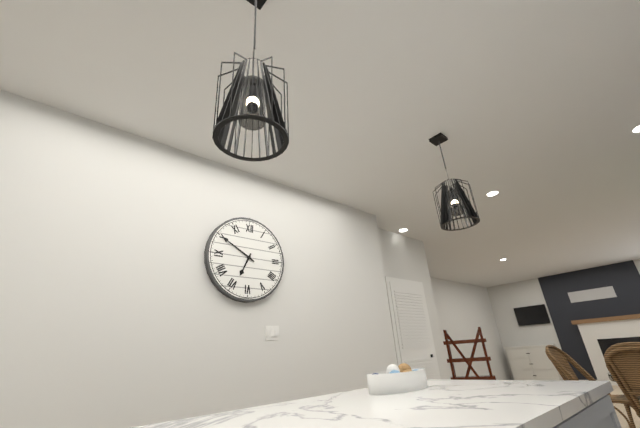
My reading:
**6:50**
